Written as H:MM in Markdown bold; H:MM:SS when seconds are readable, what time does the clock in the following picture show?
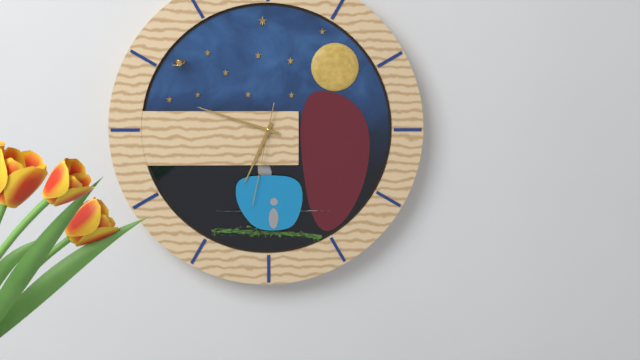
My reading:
**6:48:32**
